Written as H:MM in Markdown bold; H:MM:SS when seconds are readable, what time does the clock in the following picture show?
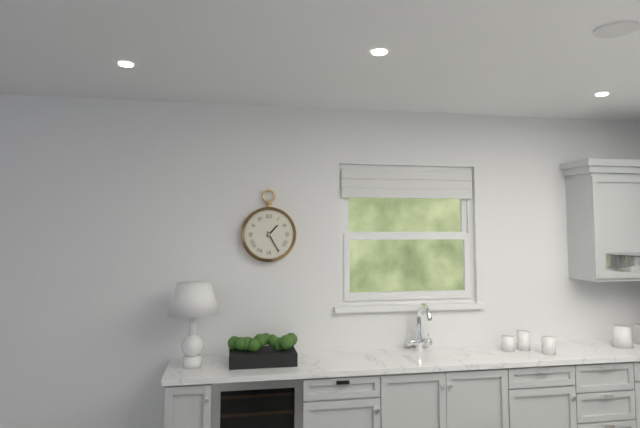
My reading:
**1:25**
